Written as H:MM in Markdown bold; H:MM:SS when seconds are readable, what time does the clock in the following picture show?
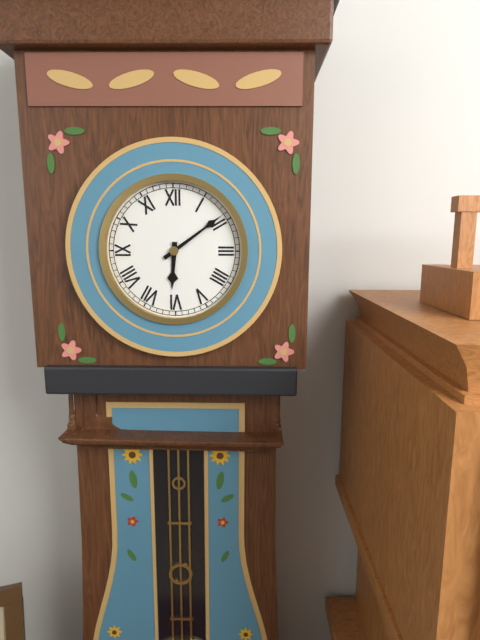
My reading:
**6:09**
